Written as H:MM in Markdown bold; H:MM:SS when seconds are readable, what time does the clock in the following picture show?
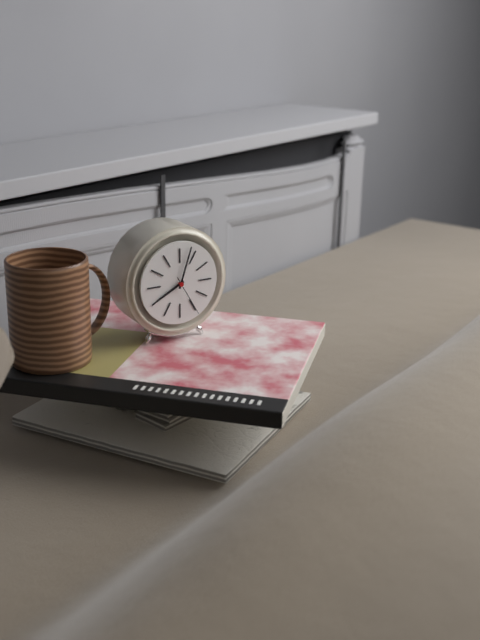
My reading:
**8:03**
